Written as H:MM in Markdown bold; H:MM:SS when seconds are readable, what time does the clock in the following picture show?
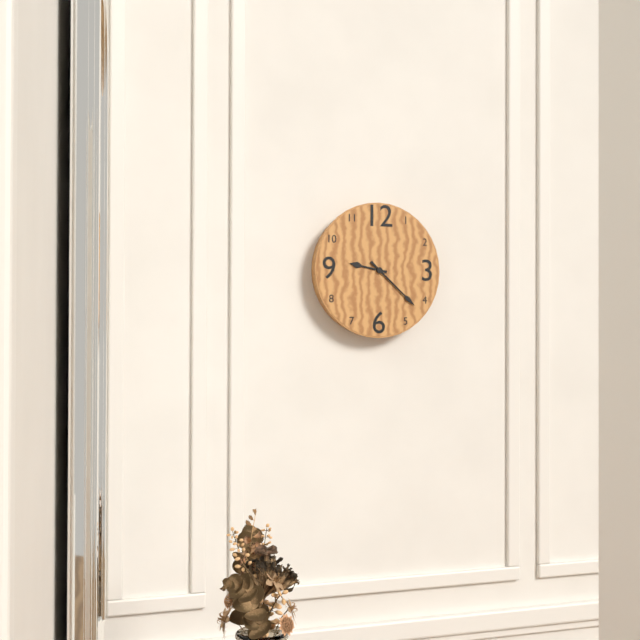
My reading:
**9:22**
